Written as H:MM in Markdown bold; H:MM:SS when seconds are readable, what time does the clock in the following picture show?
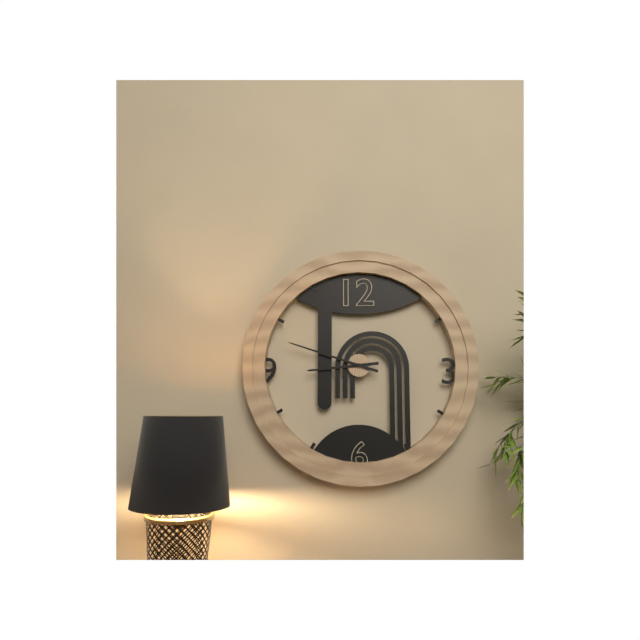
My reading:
**8:48**
